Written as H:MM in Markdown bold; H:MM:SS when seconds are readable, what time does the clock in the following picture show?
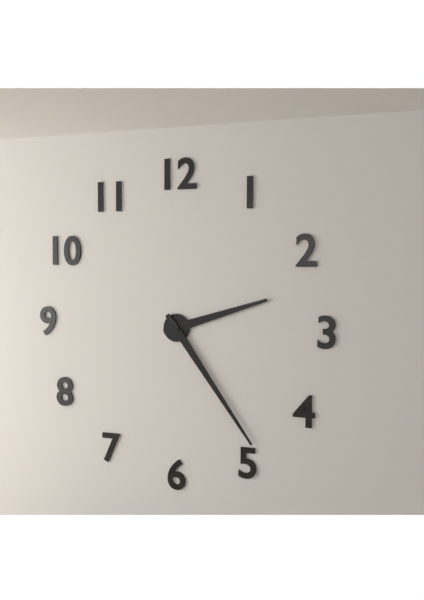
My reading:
**2:24**
